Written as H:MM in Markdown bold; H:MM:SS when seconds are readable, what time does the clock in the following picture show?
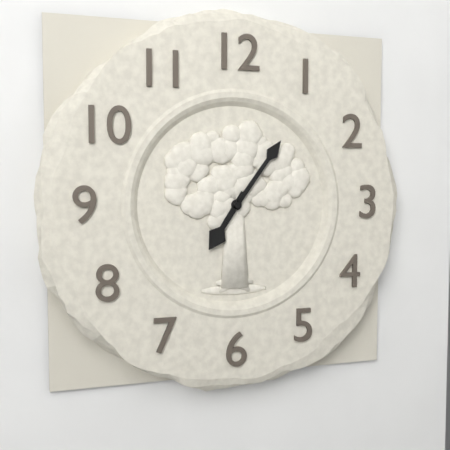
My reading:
**7:06**
